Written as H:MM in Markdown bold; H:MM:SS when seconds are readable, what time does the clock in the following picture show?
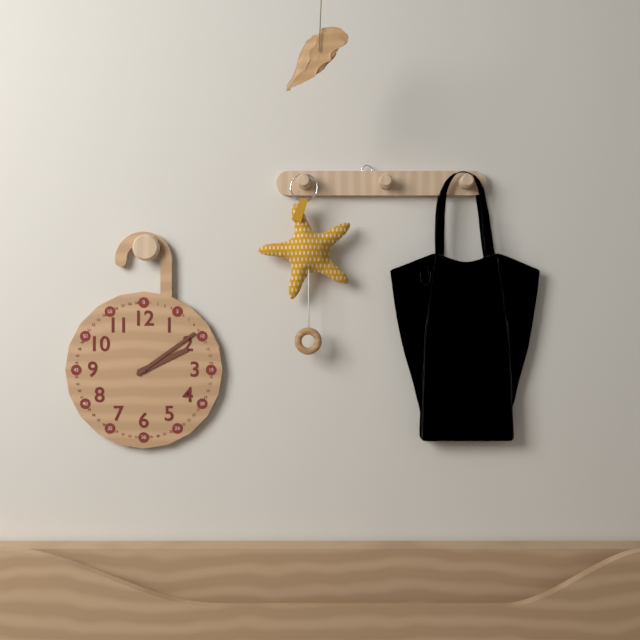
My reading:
**2:09**
